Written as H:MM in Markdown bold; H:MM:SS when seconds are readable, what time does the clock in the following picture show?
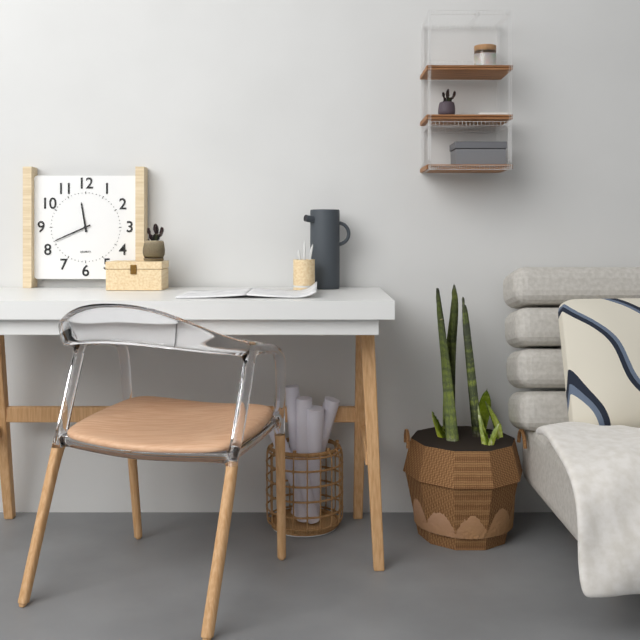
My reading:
**11:41**
